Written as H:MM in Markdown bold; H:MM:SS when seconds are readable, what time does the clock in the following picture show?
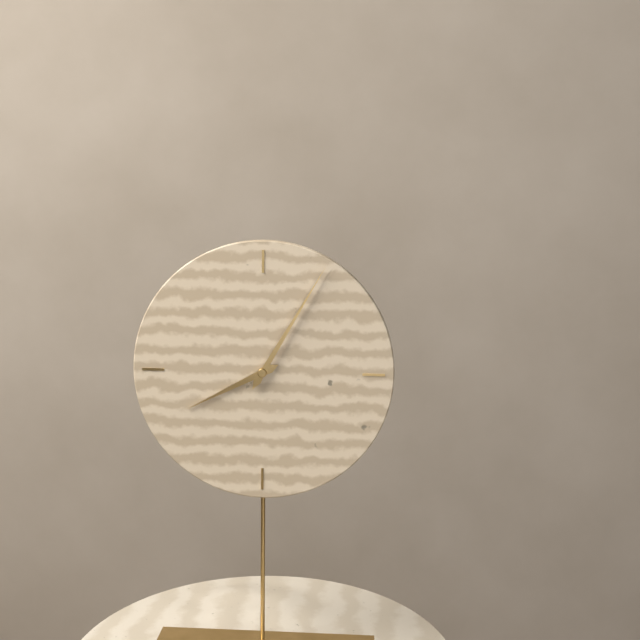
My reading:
**8:05**
